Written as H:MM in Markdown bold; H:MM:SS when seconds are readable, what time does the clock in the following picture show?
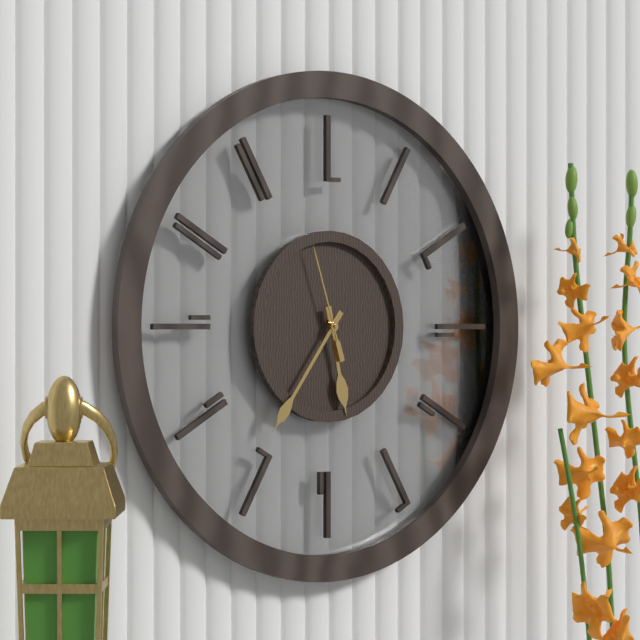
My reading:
**5:36:57**
